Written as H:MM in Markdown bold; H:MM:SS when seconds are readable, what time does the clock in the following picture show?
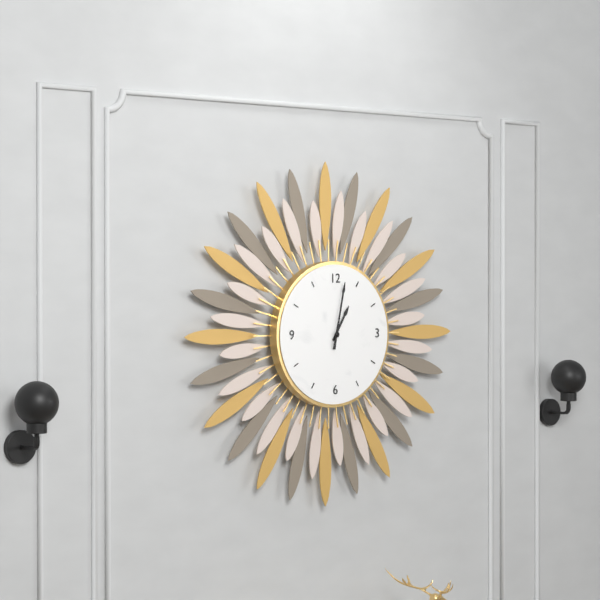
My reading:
**1:02**
